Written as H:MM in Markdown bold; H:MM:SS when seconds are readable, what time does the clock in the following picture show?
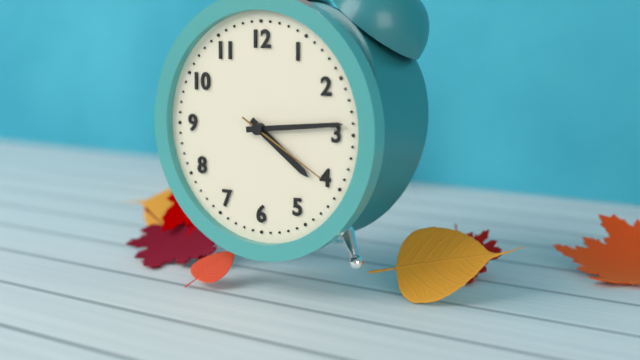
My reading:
**4:14:20**
